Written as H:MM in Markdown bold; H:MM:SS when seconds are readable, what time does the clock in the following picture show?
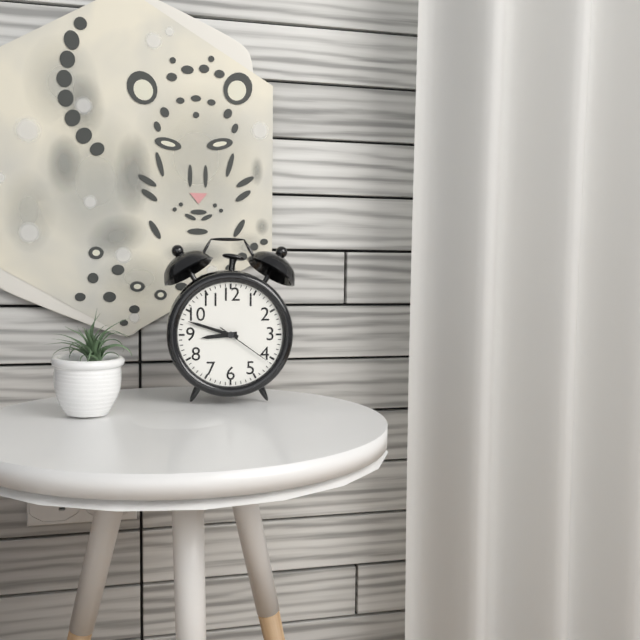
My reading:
**8:48:21**
